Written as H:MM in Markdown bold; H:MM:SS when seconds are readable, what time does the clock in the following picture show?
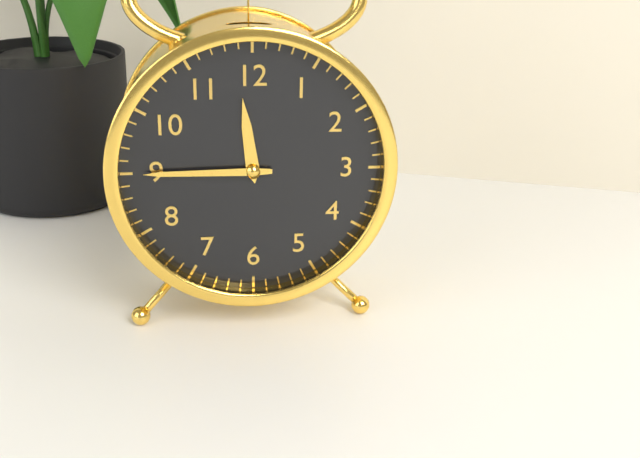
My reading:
**11:45**
